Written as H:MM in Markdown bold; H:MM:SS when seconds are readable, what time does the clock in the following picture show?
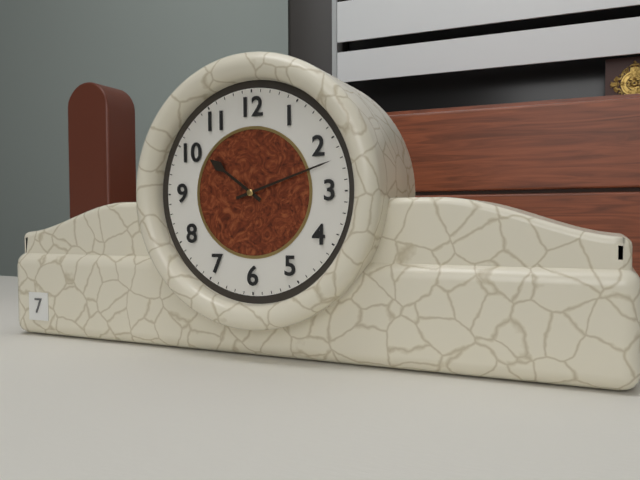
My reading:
**10:12**
